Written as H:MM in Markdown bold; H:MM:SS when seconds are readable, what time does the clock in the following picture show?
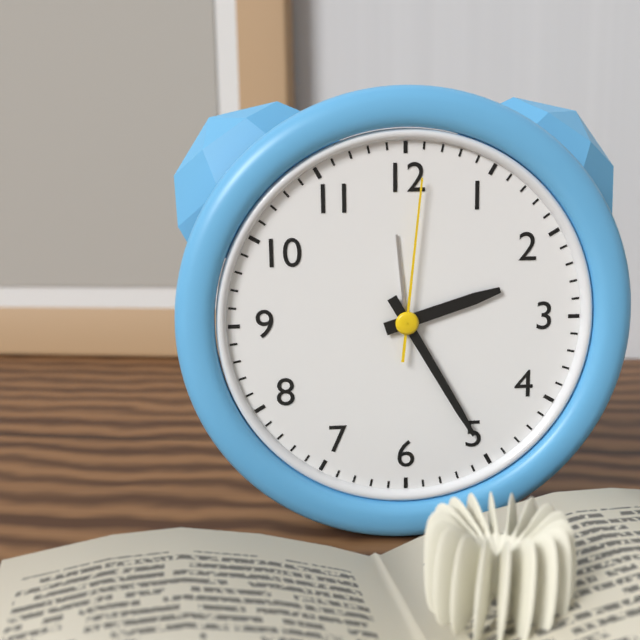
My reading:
**2:25:01**
